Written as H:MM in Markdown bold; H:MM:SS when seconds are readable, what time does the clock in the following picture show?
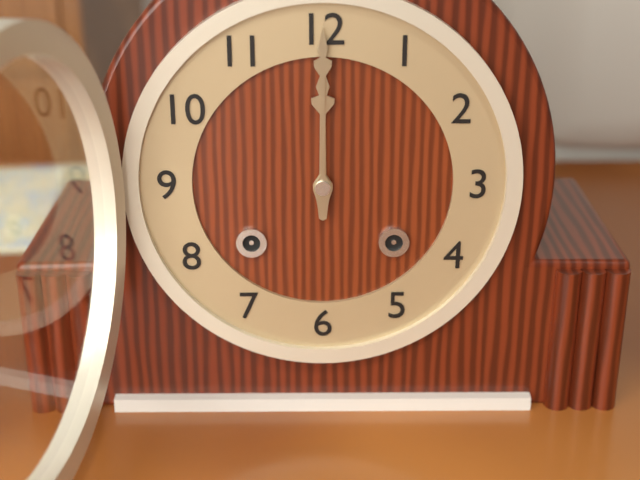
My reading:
**12:00**
